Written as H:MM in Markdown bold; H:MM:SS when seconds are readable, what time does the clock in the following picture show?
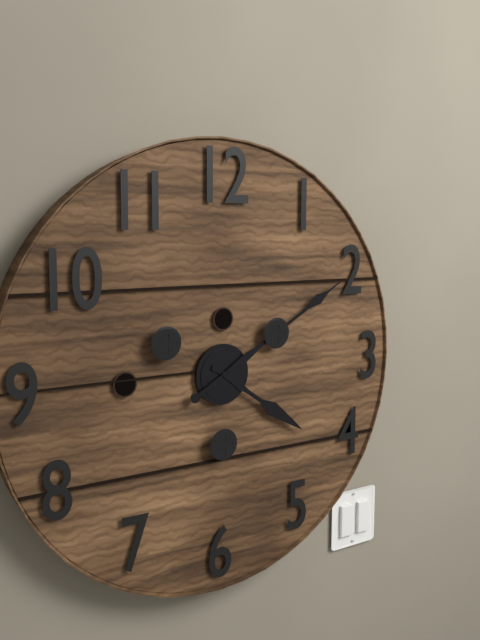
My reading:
**4:10**
